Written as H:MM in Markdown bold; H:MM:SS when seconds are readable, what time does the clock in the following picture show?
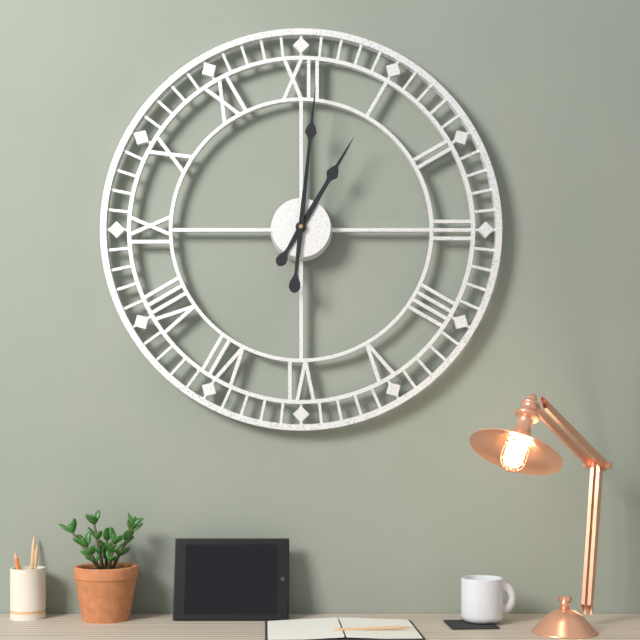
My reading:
**1:01**
